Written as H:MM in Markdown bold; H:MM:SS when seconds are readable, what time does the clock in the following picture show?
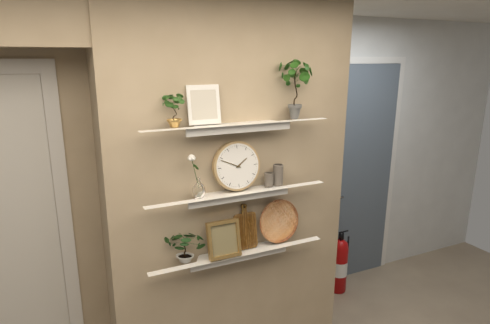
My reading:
**1:49**
